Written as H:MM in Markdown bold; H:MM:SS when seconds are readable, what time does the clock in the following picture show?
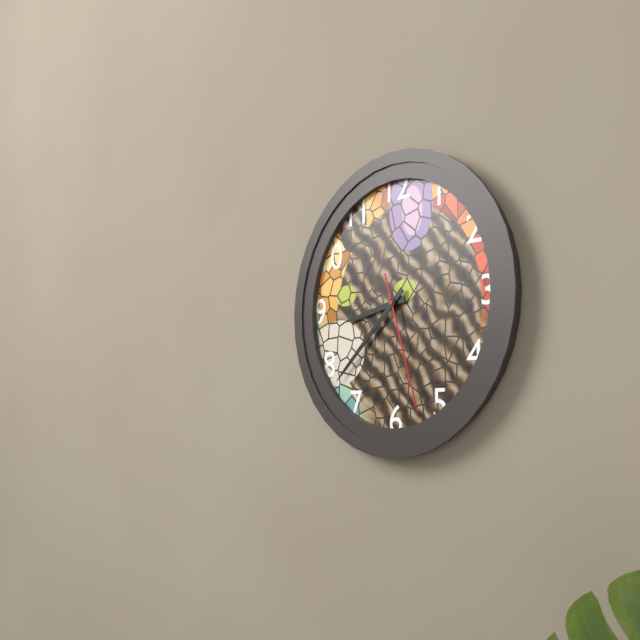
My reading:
**8:38:27**
